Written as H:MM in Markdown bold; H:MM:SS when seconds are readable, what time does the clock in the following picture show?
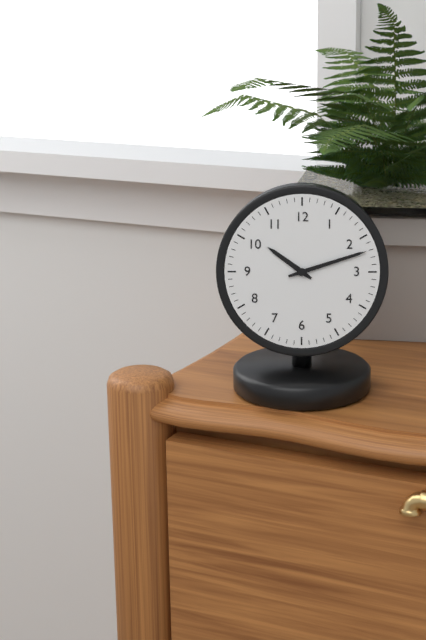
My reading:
**10:12**
